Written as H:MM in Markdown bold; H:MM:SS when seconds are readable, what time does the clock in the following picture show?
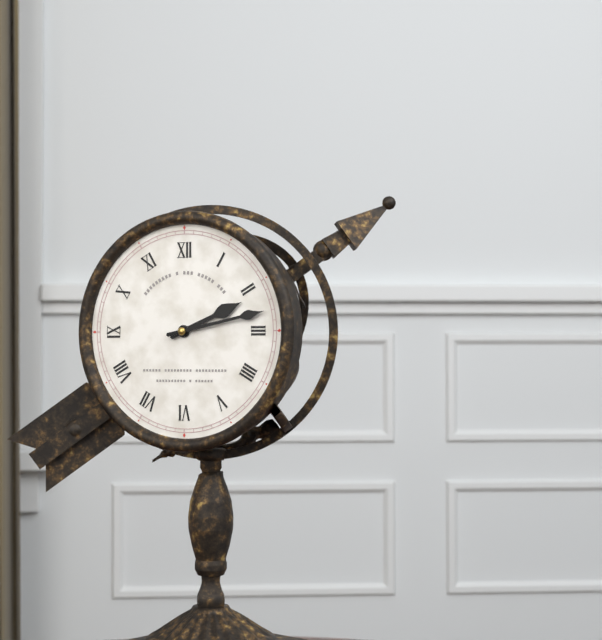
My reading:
**2:13**
